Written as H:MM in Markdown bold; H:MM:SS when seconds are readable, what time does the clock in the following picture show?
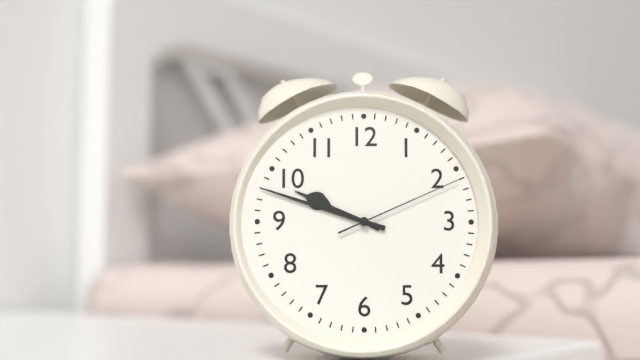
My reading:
**9:48:11**
